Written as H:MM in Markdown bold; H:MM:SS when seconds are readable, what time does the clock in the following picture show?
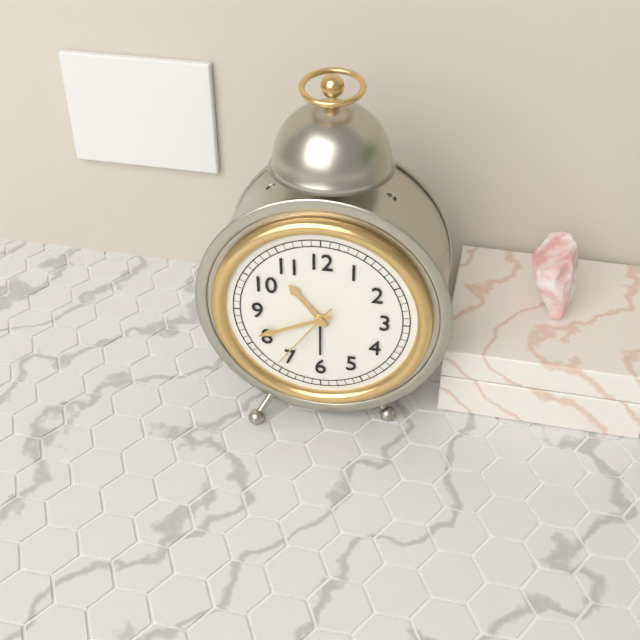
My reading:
**10:41:36**
